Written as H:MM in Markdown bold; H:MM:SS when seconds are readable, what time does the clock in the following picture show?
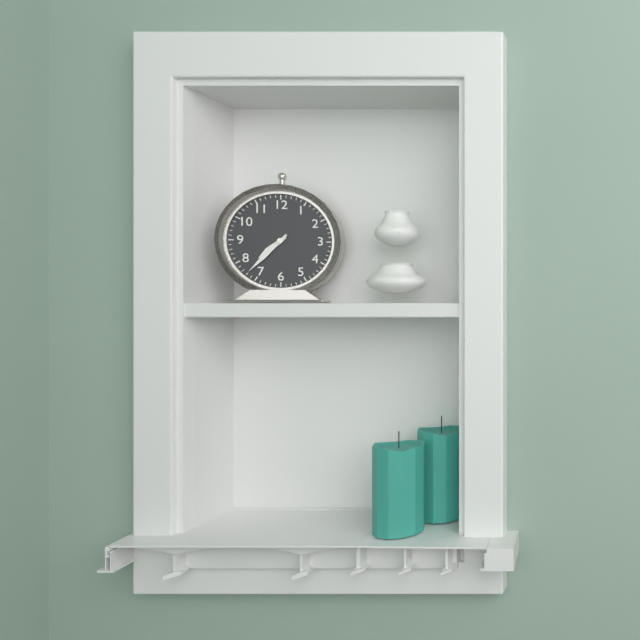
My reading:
**7:37**
